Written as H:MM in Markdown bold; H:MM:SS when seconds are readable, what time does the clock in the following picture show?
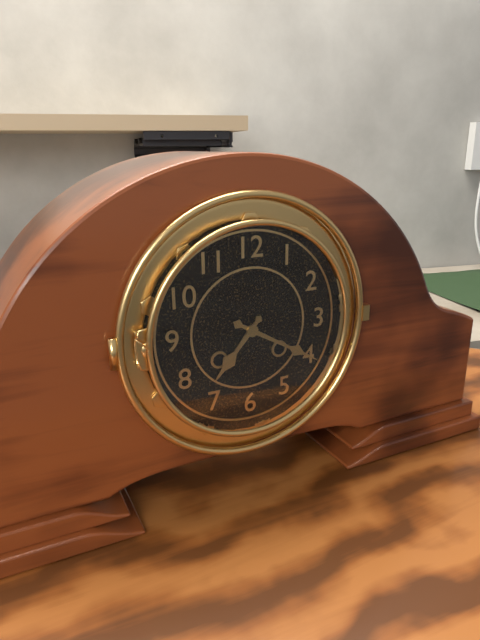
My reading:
**7:20**
